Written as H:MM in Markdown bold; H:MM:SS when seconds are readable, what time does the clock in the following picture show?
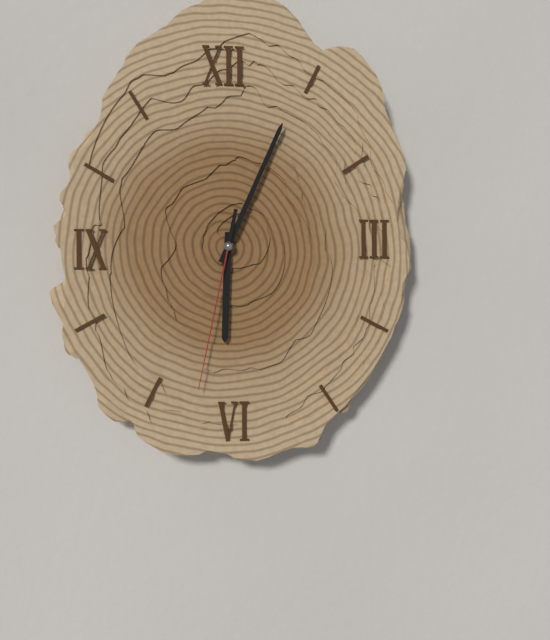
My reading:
**6:04:32**
